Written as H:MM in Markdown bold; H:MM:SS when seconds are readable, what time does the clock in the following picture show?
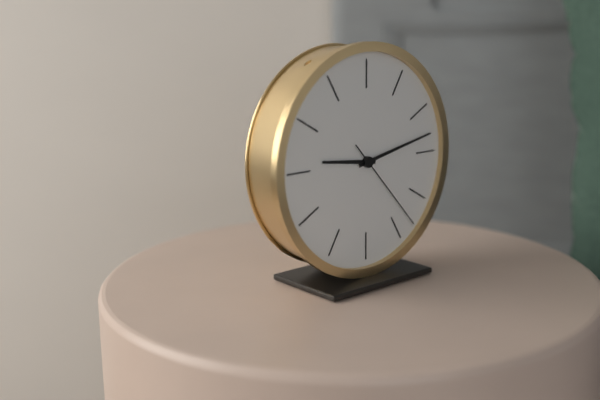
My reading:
**9:13:23**
